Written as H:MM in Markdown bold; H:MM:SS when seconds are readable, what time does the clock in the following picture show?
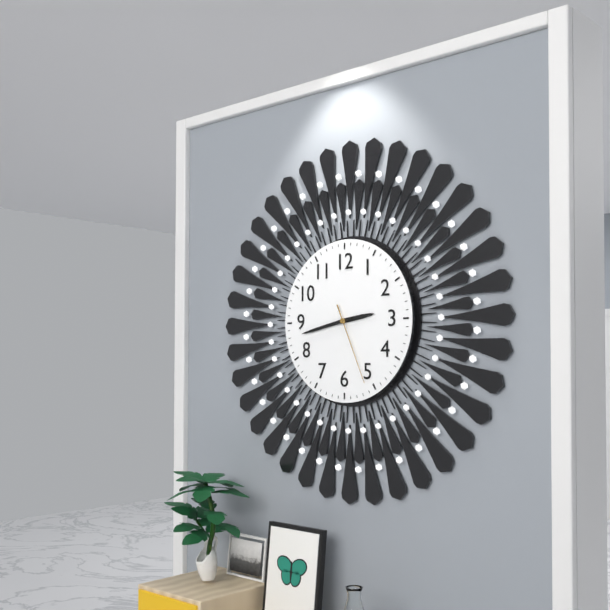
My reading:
**2:43:26**
